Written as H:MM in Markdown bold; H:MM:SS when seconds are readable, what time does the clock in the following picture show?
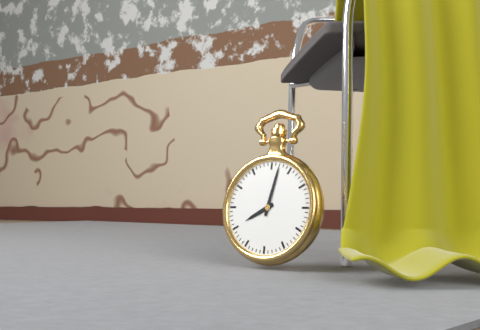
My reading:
**8:02**
